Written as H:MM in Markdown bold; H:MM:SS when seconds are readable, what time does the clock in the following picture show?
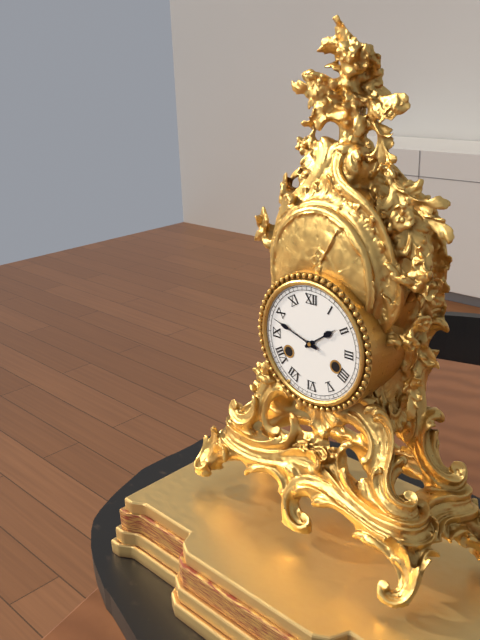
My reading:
**1:48**
